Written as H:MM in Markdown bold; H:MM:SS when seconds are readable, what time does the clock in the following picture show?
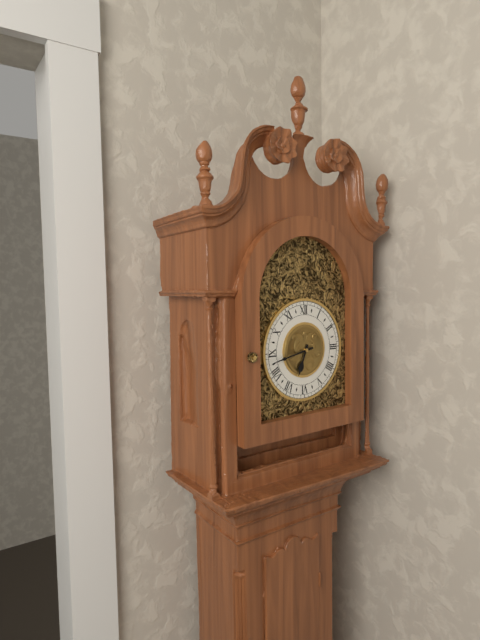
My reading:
**6:43**
